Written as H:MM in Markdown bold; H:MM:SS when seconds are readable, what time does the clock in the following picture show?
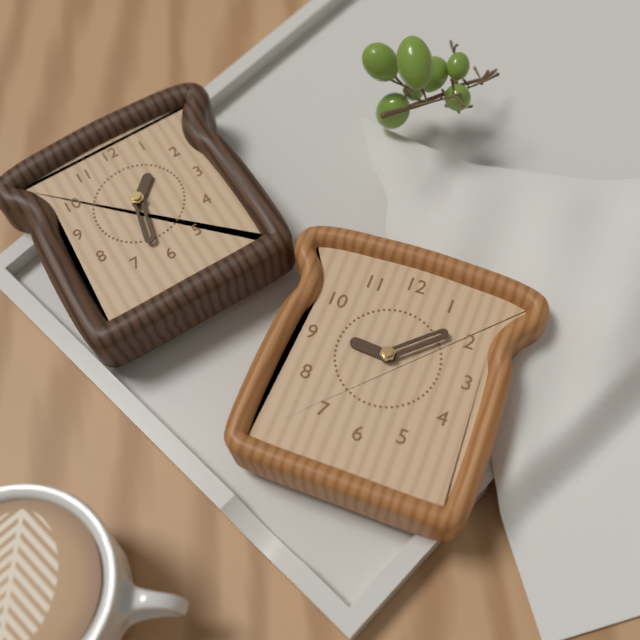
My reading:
**9:08**
